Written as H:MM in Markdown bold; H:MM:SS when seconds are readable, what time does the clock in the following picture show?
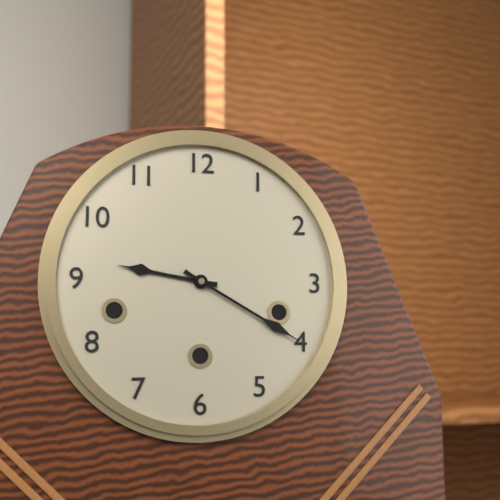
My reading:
**9:20**
